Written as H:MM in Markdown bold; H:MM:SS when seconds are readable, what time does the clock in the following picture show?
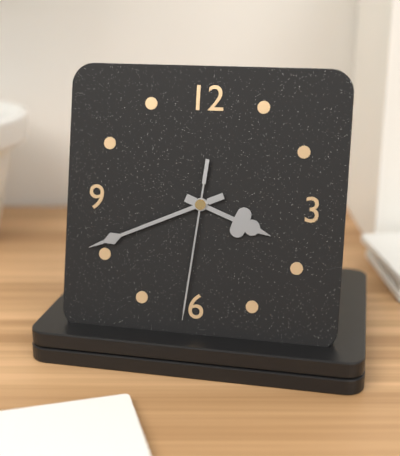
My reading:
**3:41:31**
